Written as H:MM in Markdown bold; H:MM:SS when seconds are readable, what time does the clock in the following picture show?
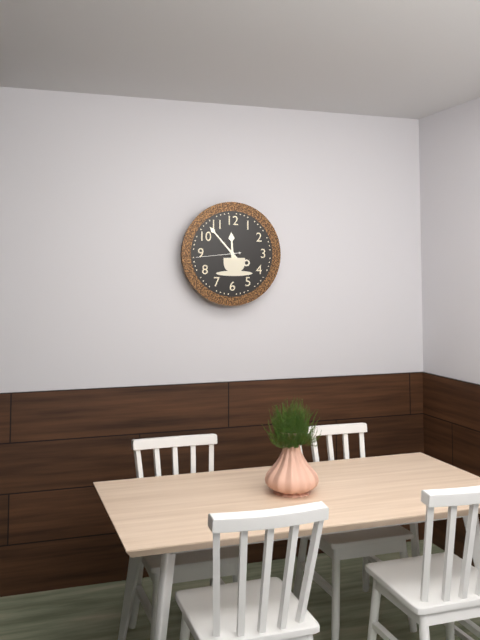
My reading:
**11:53**
